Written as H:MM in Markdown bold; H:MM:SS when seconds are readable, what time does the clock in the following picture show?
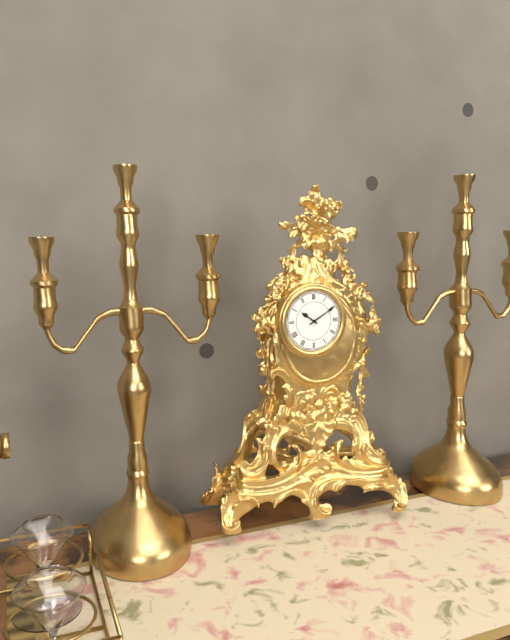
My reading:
**10:10**
